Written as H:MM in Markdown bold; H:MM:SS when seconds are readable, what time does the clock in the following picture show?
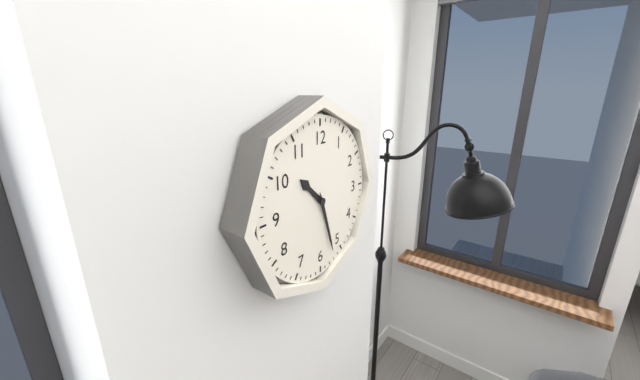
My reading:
**10:27**
